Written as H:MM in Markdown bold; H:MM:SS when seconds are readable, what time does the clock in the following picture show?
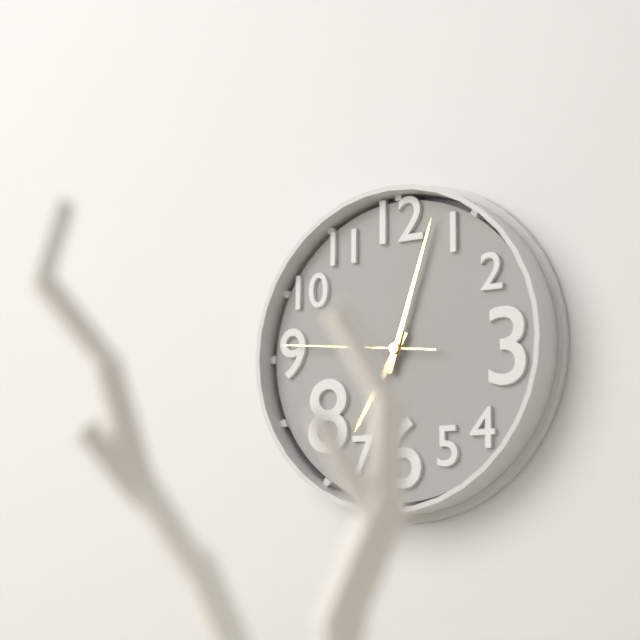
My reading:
**7:03:46**
